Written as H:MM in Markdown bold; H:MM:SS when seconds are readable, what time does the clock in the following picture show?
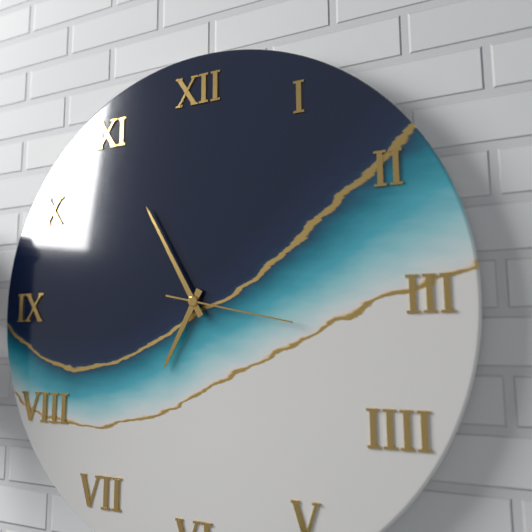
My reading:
**6:55:17**
